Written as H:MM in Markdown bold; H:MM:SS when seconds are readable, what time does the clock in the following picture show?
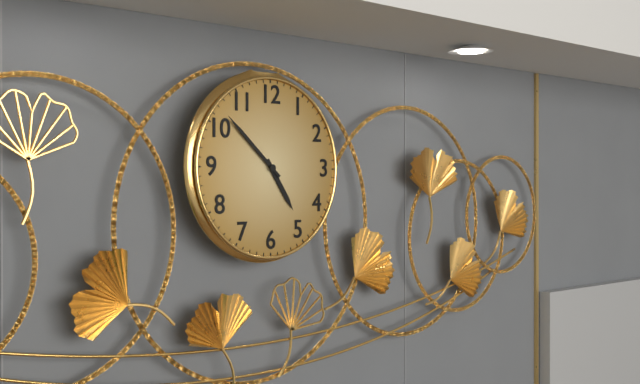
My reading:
**4:52**
